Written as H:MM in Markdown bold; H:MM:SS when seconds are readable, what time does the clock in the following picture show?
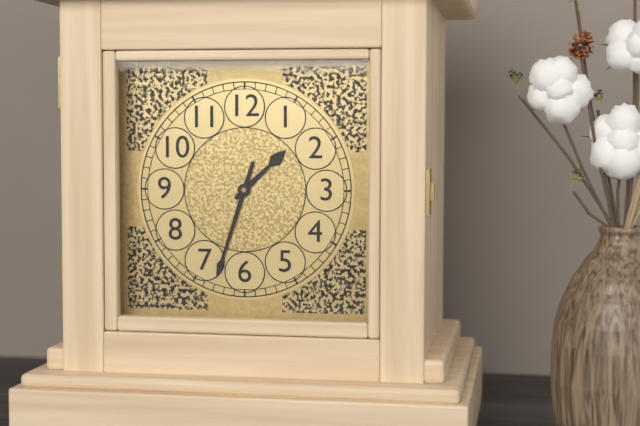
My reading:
**1:33**
